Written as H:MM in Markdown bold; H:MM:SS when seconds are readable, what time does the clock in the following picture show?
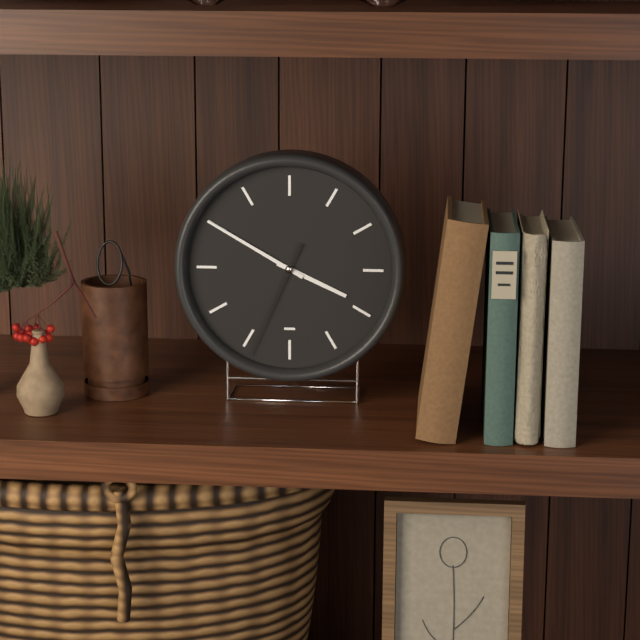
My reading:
**3:50:34**
